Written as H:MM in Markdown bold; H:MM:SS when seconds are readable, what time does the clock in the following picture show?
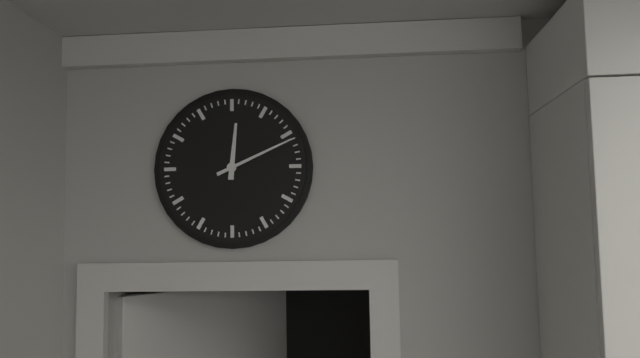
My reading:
**12:11**
